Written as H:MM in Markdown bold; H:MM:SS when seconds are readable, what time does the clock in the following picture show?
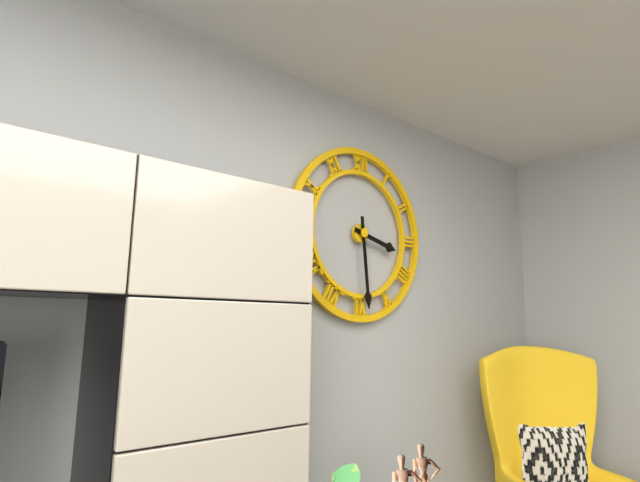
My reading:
**3:29**
